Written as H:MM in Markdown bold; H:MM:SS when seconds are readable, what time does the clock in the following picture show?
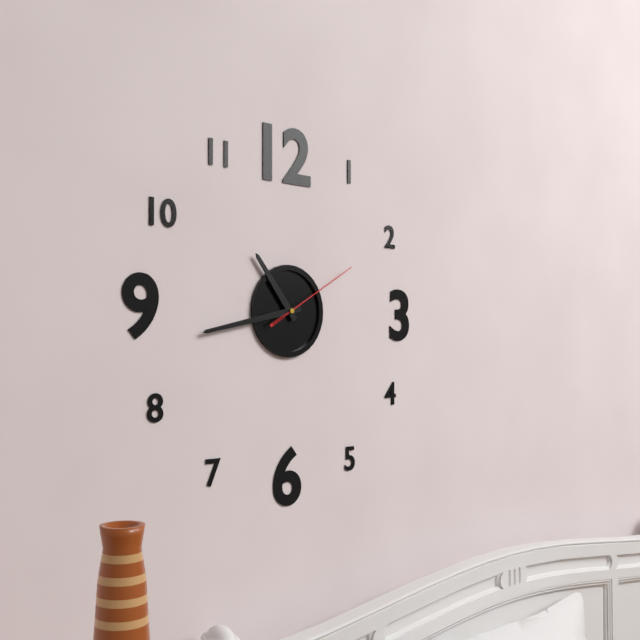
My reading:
**10:43:10**
